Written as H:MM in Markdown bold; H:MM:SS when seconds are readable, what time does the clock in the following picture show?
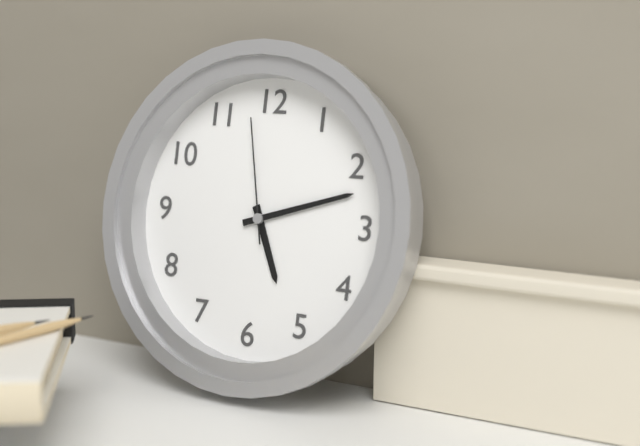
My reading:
**5:12:58**
